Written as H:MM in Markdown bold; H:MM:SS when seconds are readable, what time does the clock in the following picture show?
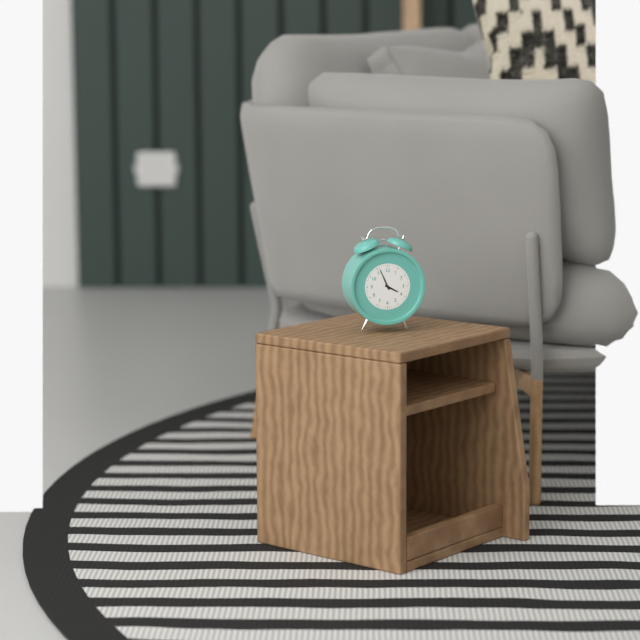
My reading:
**3:56**
